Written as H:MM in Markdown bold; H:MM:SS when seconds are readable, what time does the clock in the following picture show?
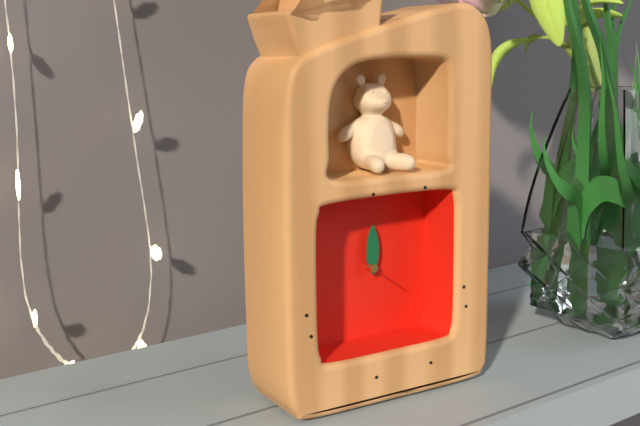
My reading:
**12:00:21**
